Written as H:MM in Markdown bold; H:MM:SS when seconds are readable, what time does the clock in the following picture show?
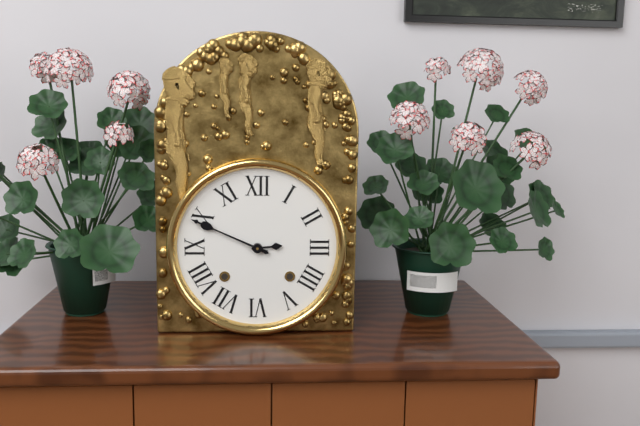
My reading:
**2:49**
